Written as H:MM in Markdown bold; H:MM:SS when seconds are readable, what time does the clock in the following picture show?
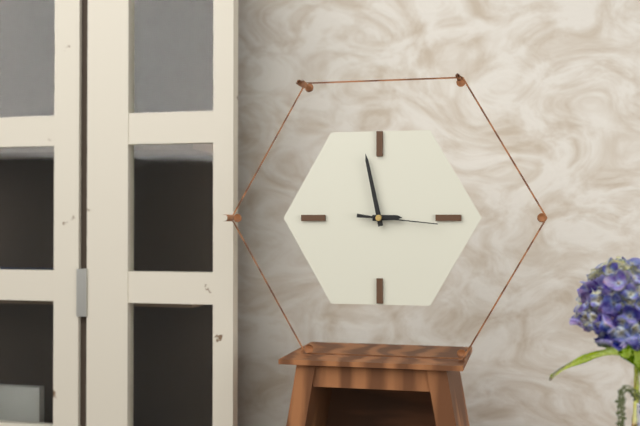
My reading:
**2:58:16**
